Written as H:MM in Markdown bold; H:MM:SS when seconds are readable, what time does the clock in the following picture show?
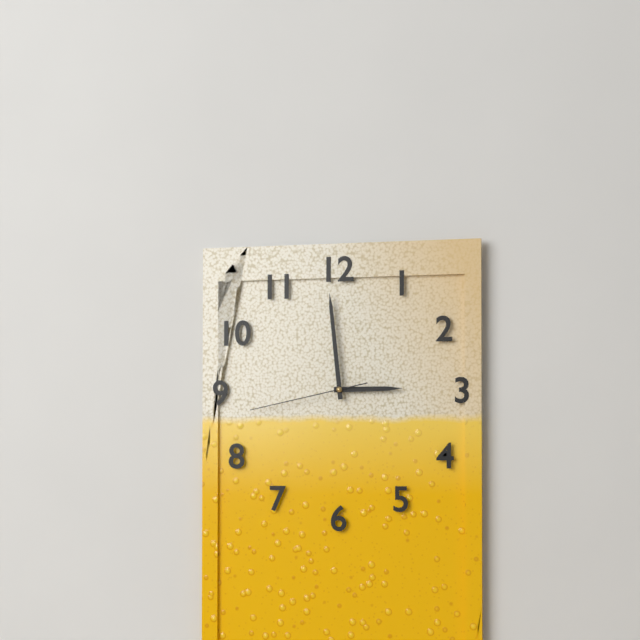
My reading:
**2:59:43**
